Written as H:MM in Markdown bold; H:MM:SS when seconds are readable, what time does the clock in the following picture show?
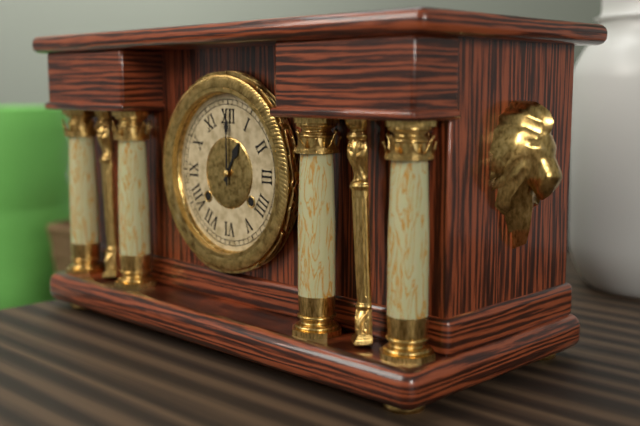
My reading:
**1:00**
